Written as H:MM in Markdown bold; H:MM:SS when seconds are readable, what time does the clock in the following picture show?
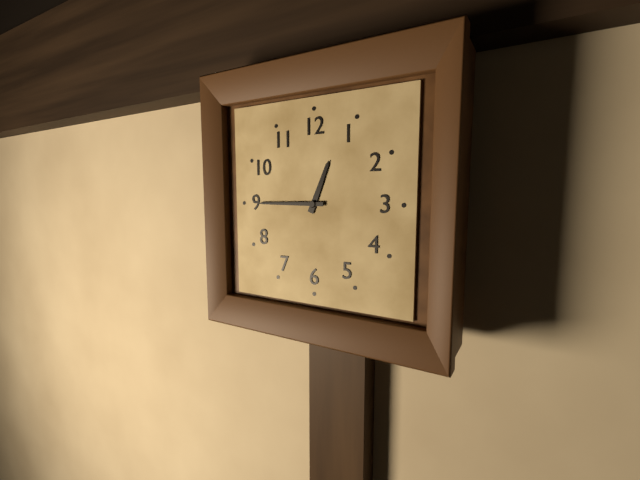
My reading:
**12:45**
